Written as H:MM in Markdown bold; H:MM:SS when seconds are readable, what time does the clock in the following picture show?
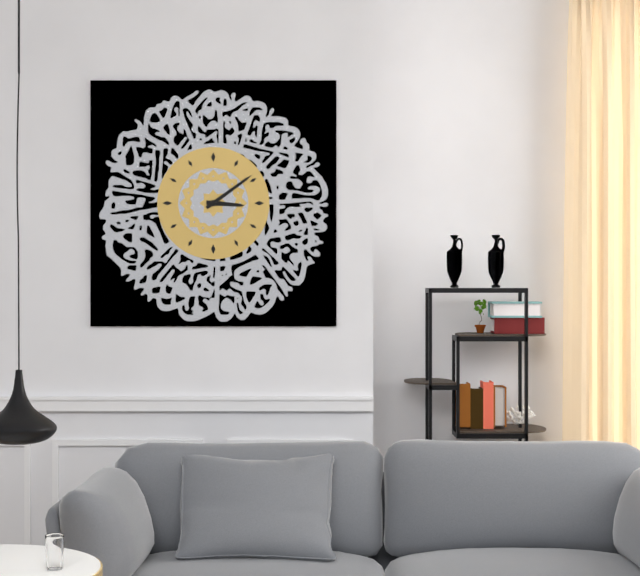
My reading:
**3:09**
